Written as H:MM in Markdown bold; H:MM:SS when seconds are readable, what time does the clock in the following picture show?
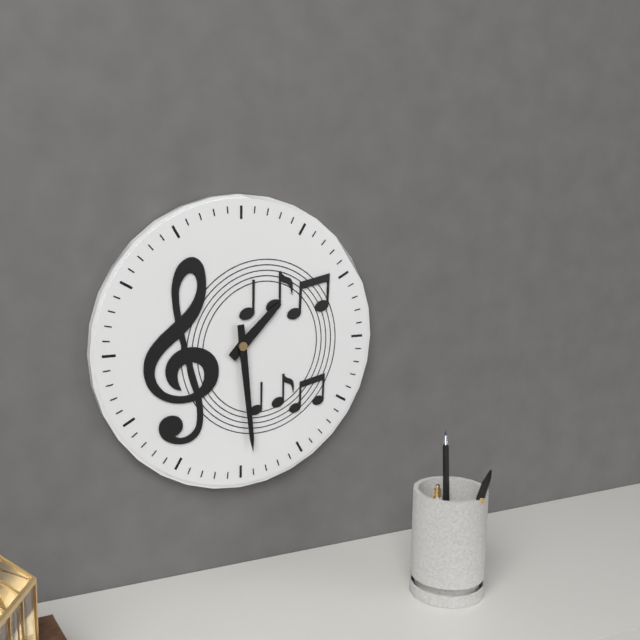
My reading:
**1:29**
